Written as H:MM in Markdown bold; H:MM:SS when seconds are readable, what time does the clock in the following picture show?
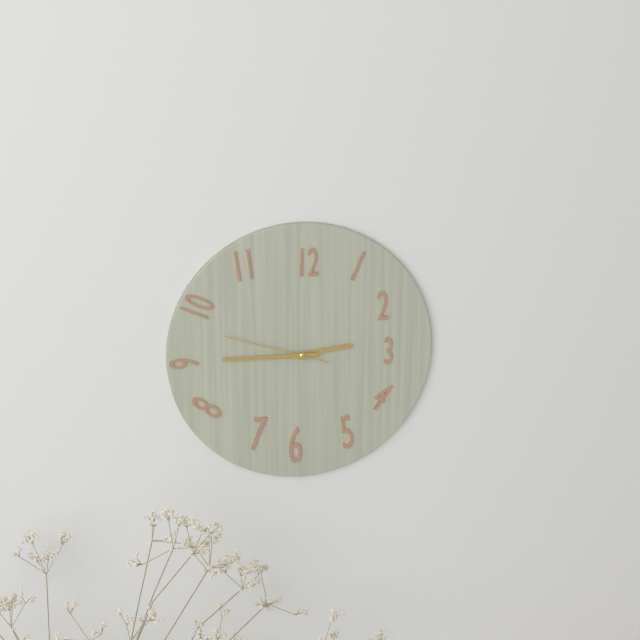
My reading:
**2:45:48**
